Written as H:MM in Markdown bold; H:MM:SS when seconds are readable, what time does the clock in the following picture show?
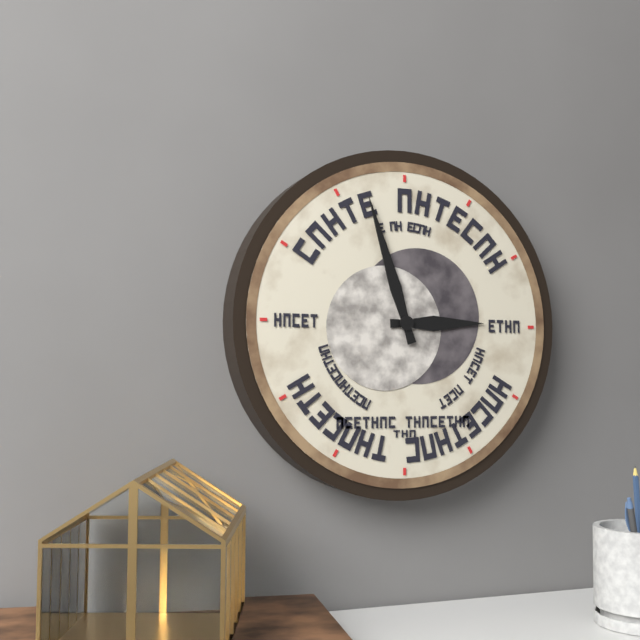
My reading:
**2:57**
